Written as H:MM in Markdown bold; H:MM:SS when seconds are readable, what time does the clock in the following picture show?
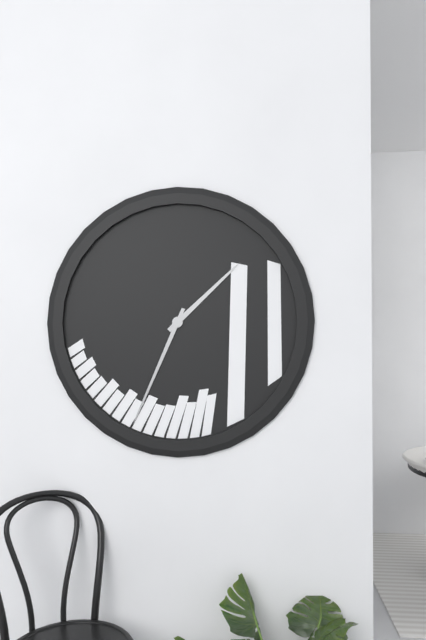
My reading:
**1:34**
